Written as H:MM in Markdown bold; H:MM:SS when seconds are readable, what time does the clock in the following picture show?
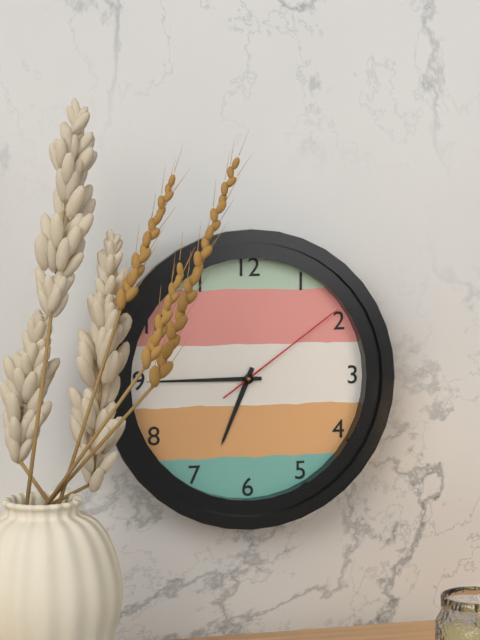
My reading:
**6:45:09**
